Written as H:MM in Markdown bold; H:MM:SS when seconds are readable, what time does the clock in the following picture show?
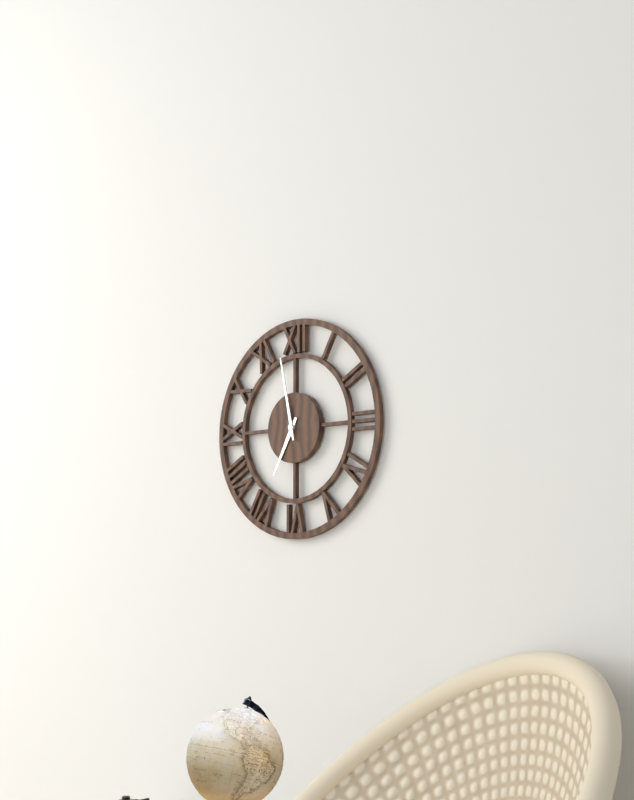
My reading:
**6:58**
